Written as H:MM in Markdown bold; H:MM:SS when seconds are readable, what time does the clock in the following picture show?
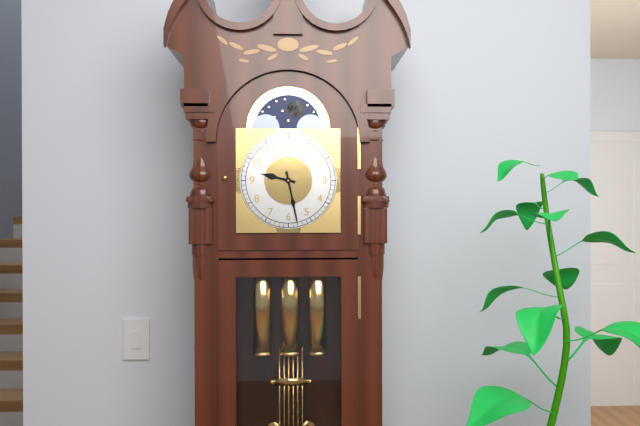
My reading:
**9:28**
